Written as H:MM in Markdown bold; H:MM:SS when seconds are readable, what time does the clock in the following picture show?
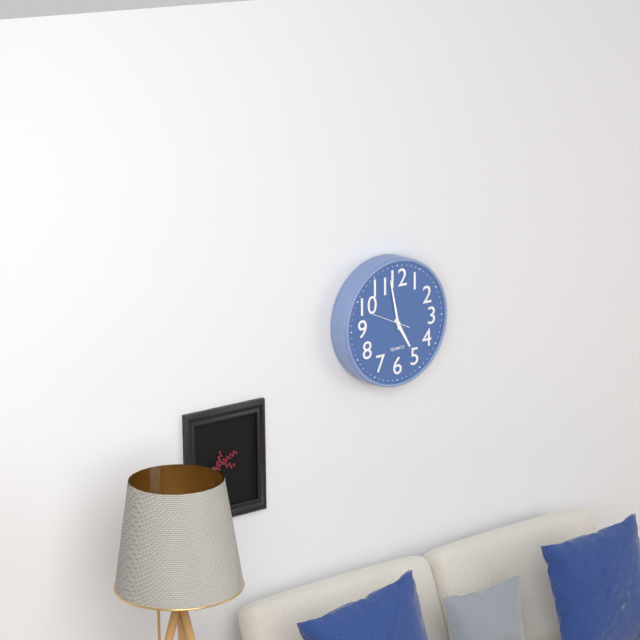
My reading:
**4:58**
